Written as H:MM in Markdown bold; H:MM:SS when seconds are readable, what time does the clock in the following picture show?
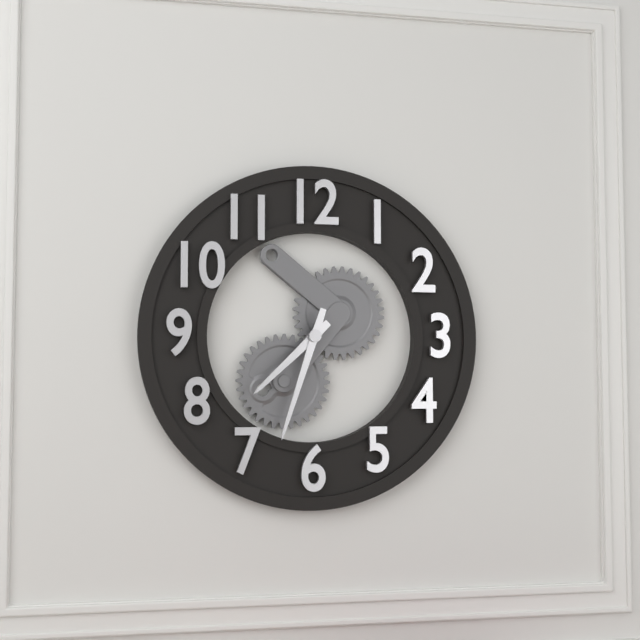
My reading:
**7:33**
